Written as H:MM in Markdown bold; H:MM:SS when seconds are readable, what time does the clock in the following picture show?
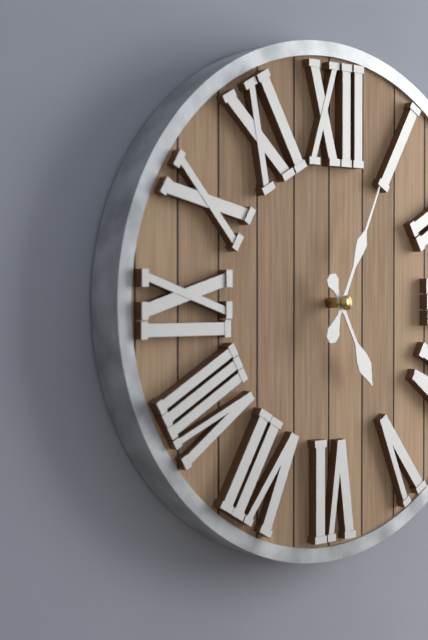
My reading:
**5:04**
